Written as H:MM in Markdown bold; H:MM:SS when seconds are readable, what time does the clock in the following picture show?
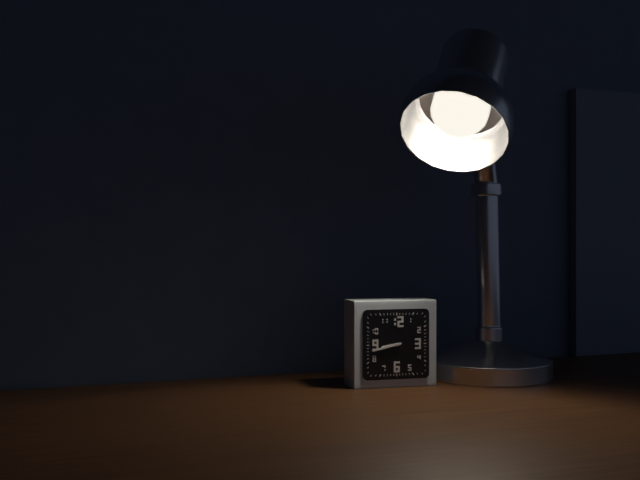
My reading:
**8:43**
